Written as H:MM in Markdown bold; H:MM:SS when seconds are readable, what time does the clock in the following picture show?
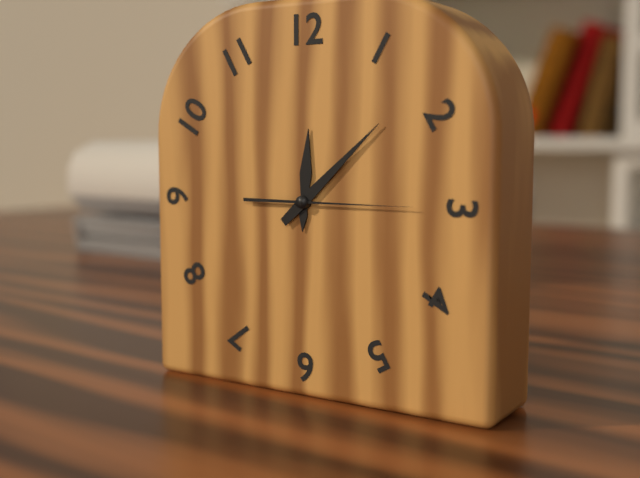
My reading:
**12:08:15**
